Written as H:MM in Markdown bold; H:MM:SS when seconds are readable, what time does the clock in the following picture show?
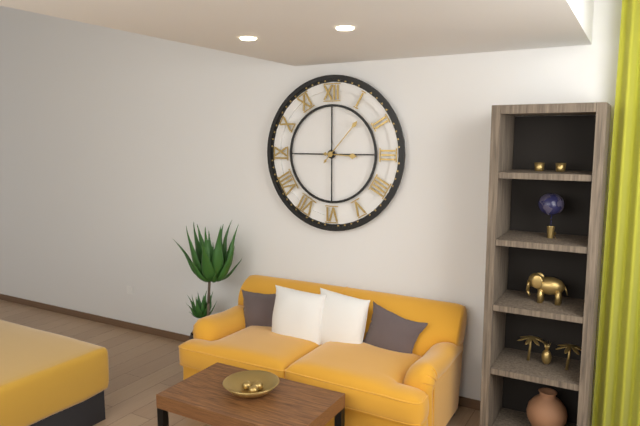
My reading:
**3:07**
